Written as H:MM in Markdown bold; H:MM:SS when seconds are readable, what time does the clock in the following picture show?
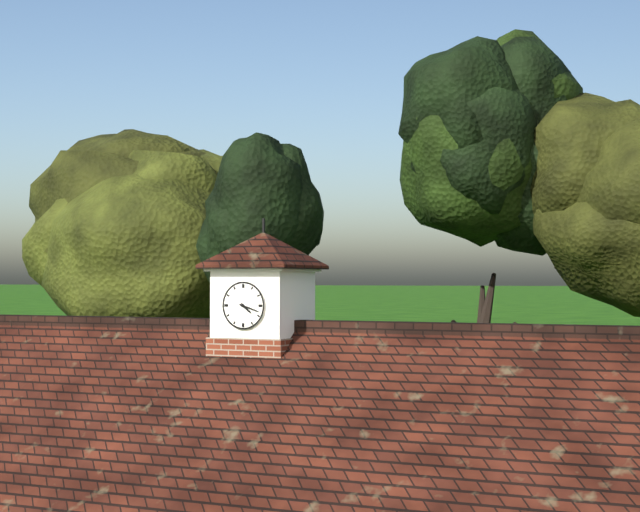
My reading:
**4:18**
